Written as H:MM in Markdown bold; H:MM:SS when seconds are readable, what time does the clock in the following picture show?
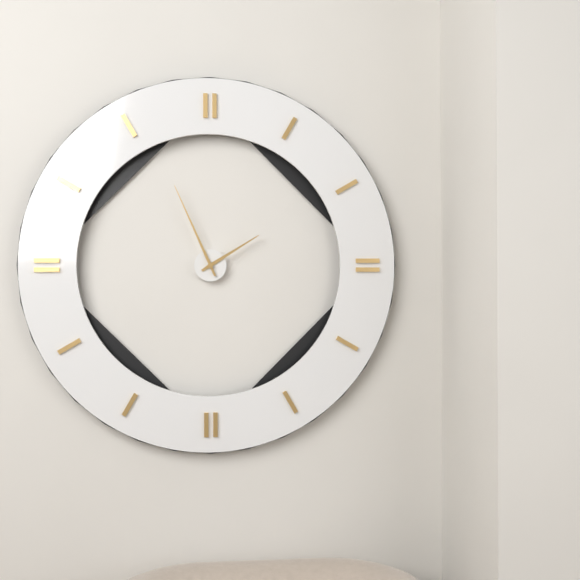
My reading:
**1:56**
